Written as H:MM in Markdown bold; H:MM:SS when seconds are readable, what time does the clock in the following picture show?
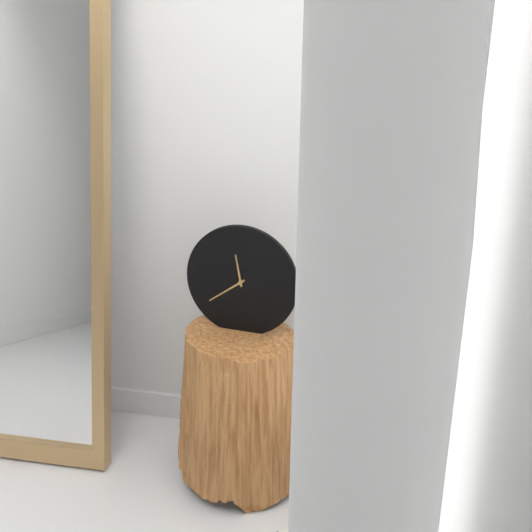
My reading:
**11:39**
